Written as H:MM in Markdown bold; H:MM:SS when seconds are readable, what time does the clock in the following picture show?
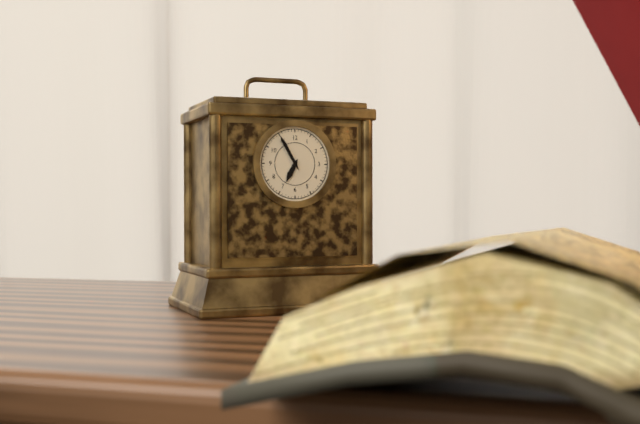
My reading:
**6:55**
